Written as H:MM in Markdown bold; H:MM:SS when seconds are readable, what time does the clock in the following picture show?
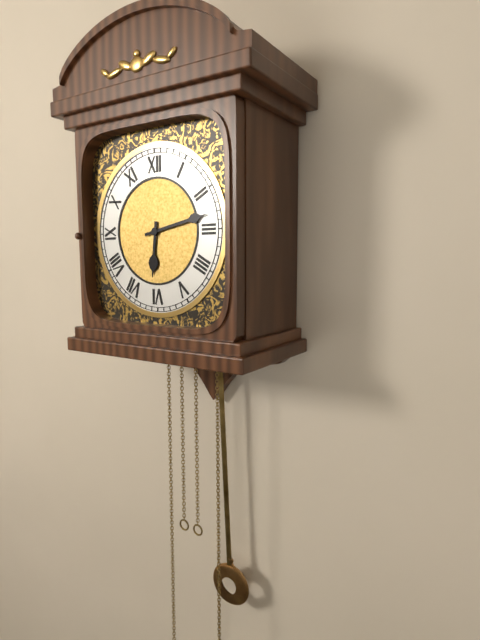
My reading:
**6:13**
